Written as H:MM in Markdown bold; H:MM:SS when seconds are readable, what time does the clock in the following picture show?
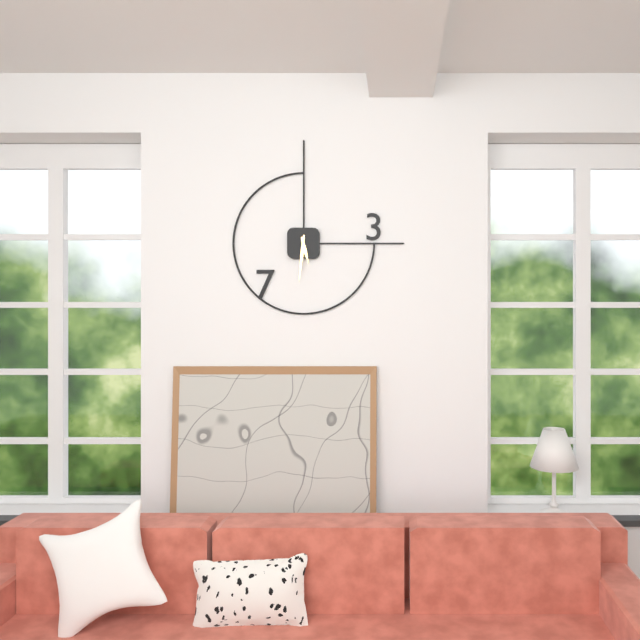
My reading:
**5:31**
